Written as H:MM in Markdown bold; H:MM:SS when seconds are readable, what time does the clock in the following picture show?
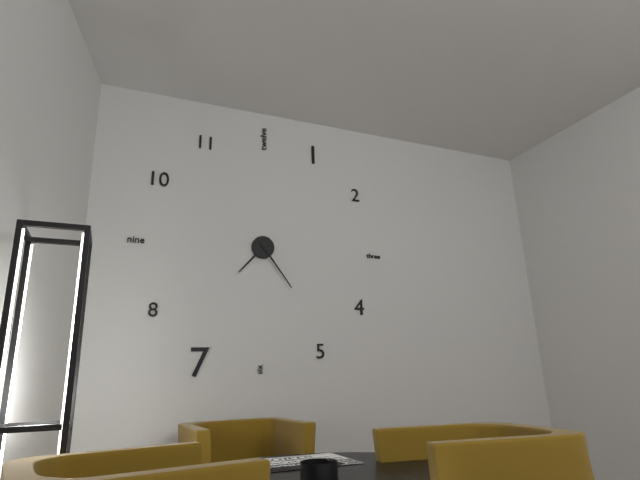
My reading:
**7:24**
